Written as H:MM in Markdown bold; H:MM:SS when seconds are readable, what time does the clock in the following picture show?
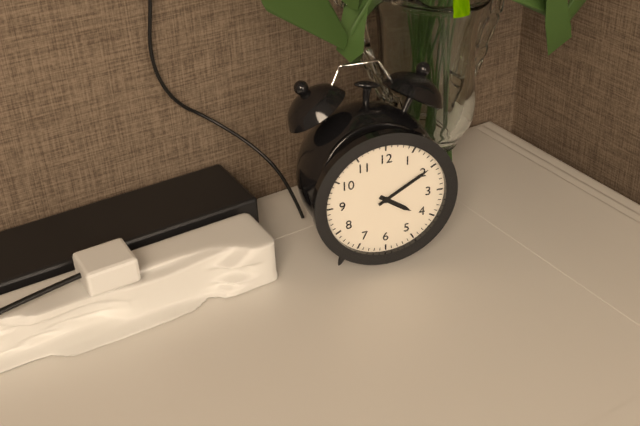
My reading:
**4:10**
